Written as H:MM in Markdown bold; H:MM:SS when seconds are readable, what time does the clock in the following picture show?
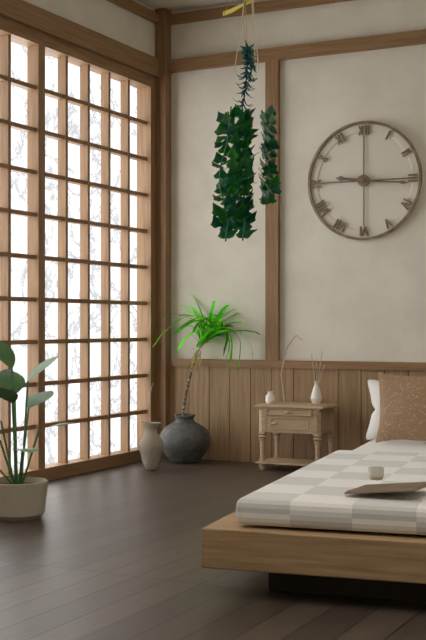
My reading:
**9:16**
